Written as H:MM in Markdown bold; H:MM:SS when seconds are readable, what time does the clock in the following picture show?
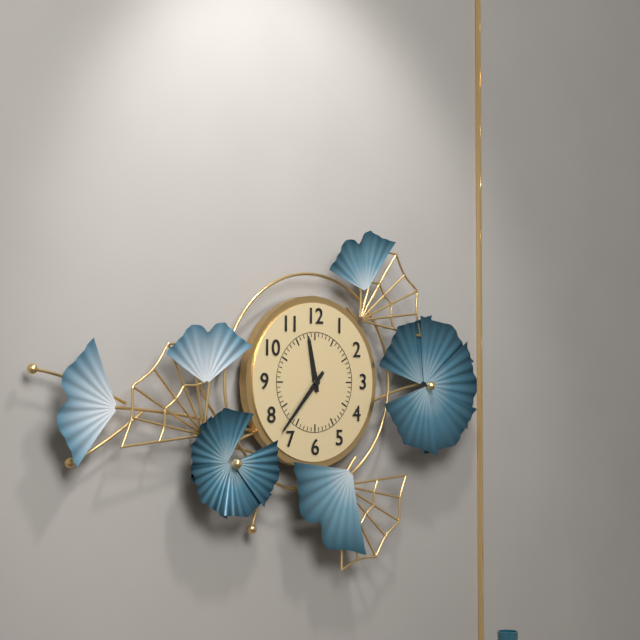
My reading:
**11:37**
